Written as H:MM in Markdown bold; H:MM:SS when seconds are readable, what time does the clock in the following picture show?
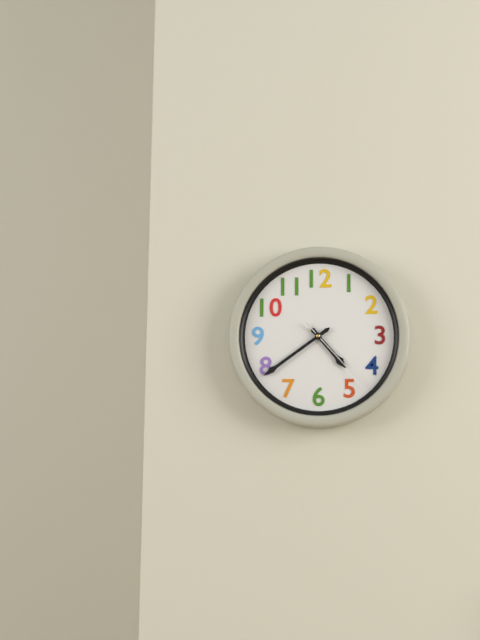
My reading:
**4:39:23**
